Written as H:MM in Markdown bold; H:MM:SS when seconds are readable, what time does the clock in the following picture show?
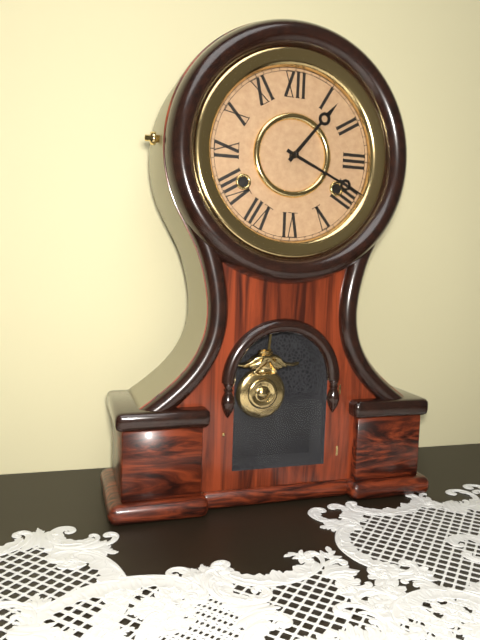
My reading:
**1:19**
